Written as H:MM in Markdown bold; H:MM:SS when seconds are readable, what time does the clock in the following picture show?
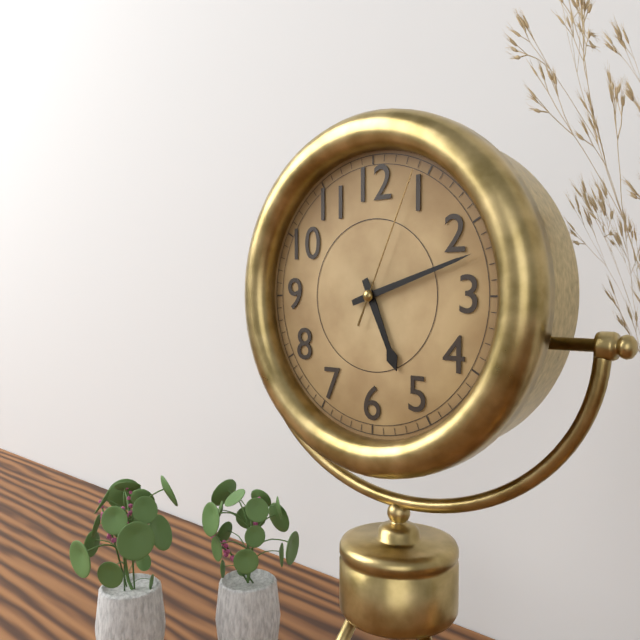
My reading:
**5:12:04**
